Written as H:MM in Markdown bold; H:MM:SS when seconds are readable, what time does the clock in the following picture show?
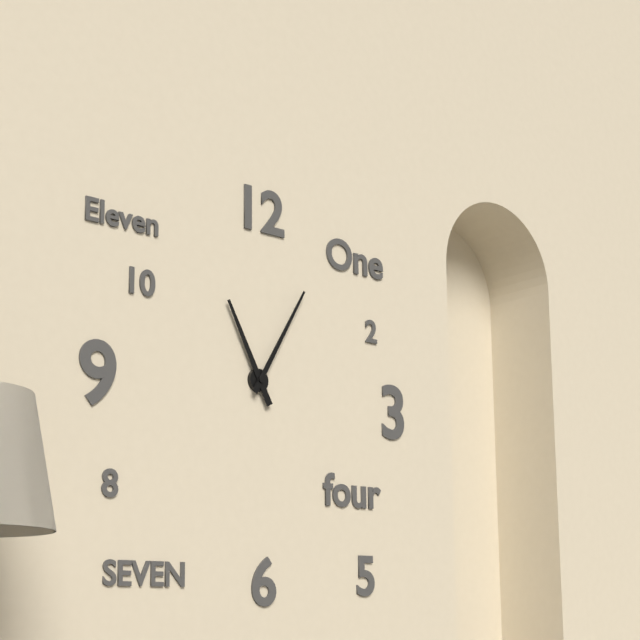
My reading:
**11:05**
